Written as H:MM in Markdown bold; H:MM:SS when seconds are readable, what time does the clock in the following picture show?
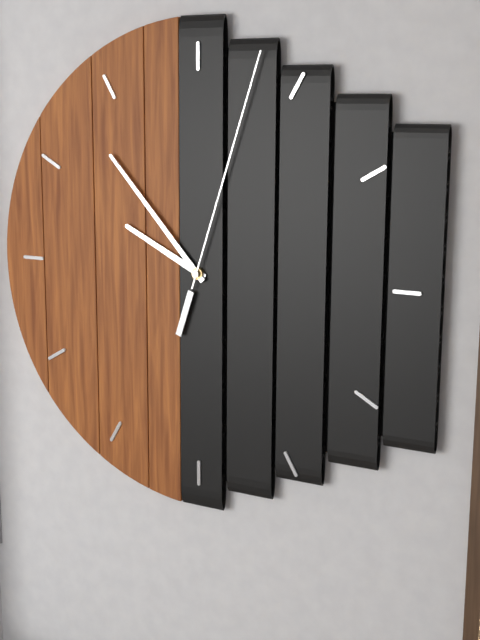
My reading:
**9:53:03**
